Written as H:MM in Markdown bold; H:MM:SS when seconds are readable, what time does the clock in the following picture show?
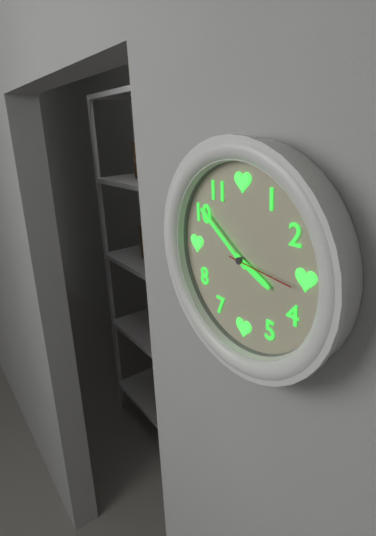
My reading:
**3:51:16**
